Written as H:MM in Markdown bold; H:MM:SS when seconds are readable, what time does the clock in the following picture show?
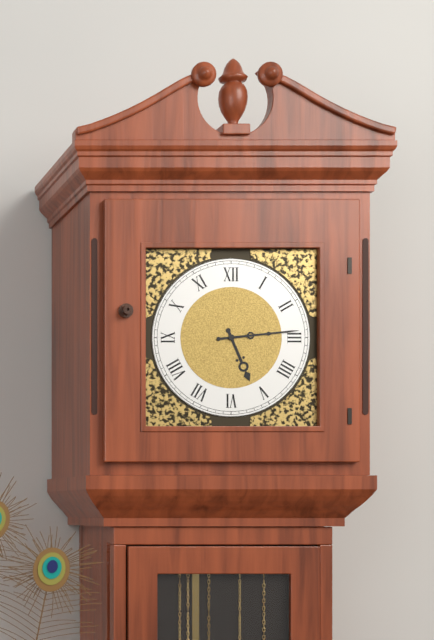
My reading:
**5:14**
